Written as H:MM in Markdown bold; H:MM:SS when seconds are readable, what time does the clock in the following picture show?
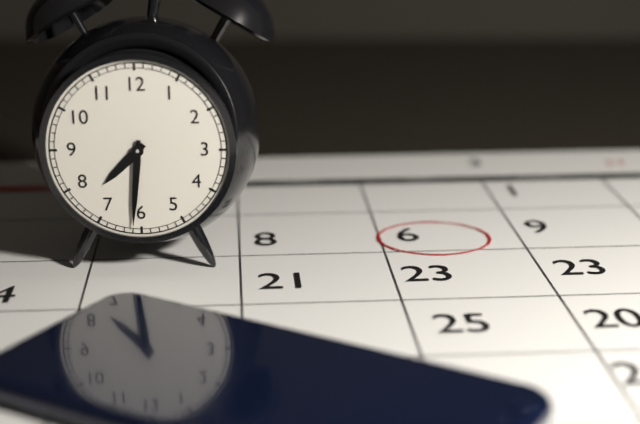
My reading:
**7:31**
